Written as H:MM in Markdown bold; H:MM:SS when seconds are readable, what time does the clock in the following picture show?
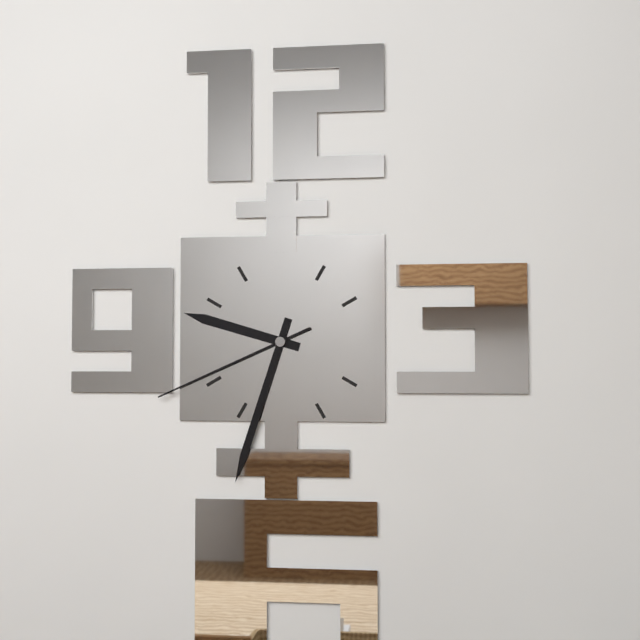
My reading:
**9:33:41**
